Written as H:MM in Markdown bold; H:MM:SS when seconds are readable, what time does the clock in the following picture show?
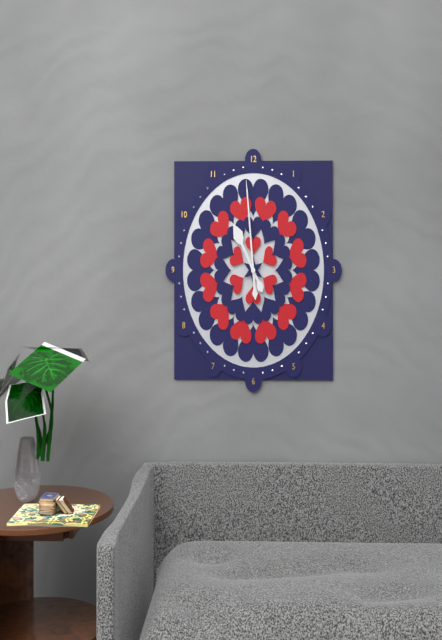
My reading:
**10:59**
